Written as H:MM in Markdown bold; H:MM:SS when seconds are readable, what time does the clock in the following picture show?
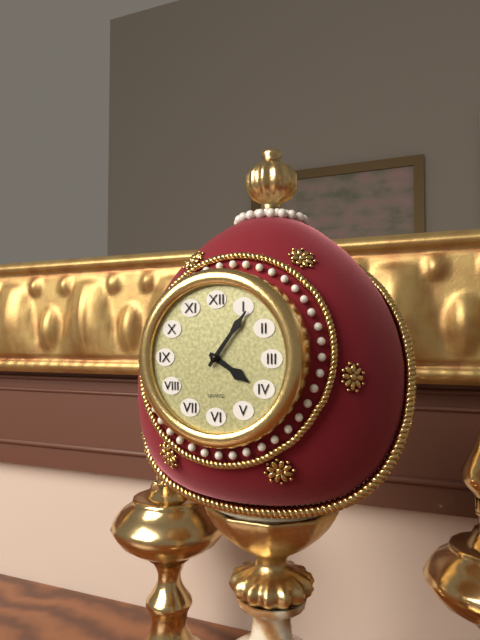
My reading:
**4:06**
